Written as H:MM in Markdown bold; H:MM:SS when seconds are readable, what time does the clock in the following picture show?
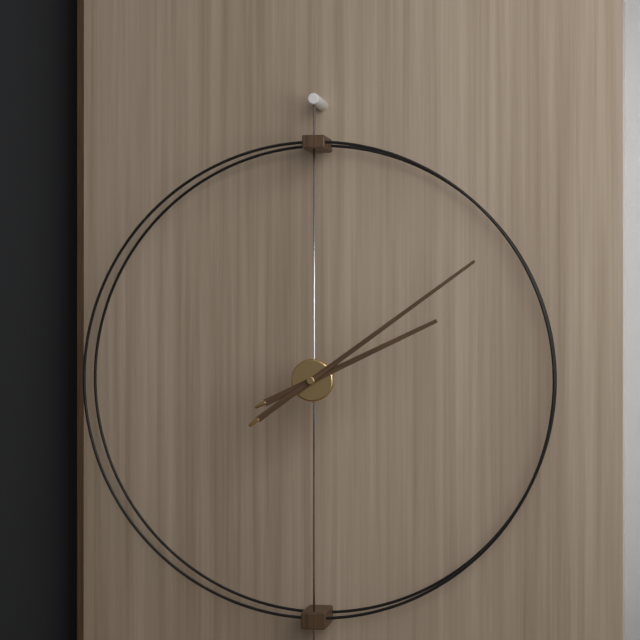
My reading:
**2:09**
